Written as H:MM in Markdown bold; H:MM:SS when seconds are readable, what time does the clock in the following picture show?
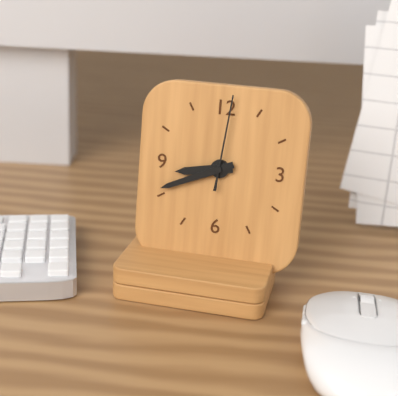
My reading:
**8:41:01**
